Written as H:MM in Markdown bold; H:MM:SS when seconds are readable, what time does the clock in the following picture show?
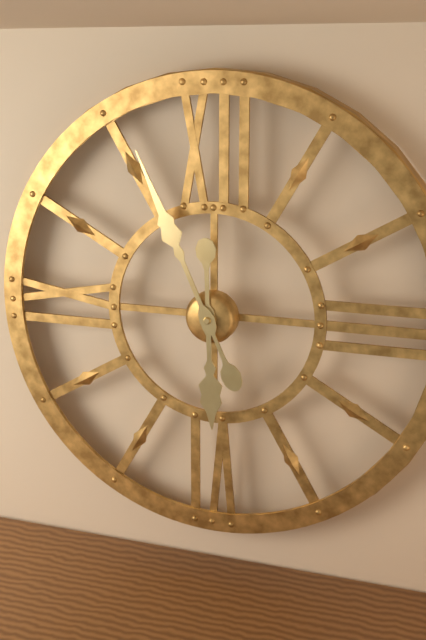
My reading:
**5:56**
